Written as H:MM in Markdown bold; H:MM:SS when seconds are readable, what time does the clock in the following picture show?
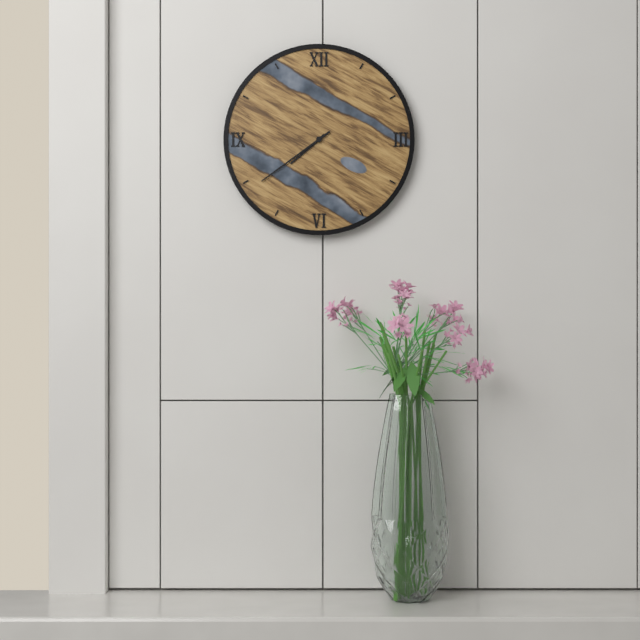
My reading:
**7:39**
